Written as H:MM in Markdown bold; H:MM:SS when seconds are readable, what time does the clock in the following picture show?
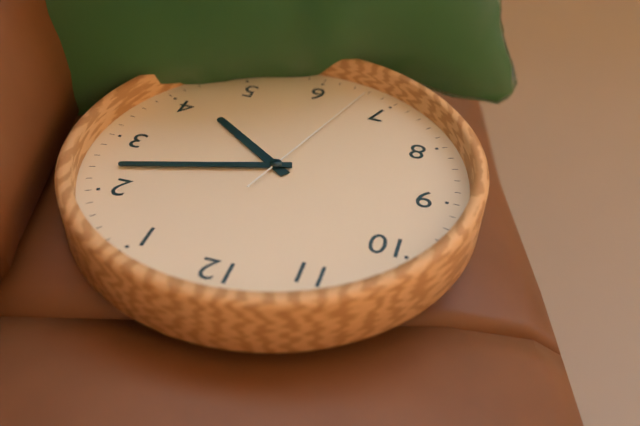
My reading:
**4:12:33**
